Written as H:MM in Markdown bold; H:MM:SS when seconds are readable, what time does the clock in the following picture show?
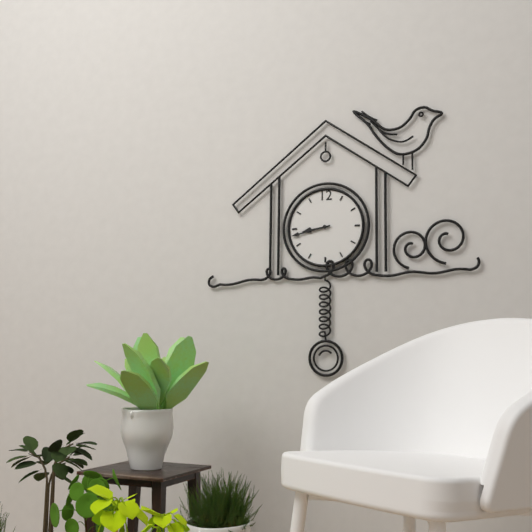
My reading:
**8:43**
